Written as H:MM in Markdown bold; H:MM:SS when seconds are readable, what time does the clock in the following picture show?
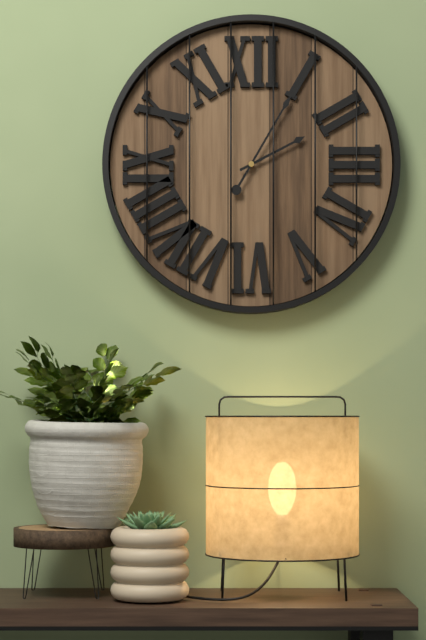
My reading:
**2:05**
